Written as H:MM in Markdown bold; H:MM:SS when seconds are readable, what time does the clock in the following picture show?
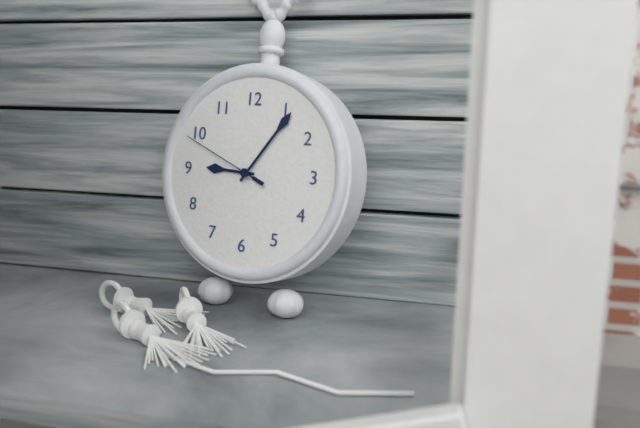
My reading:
**9:06:49**
